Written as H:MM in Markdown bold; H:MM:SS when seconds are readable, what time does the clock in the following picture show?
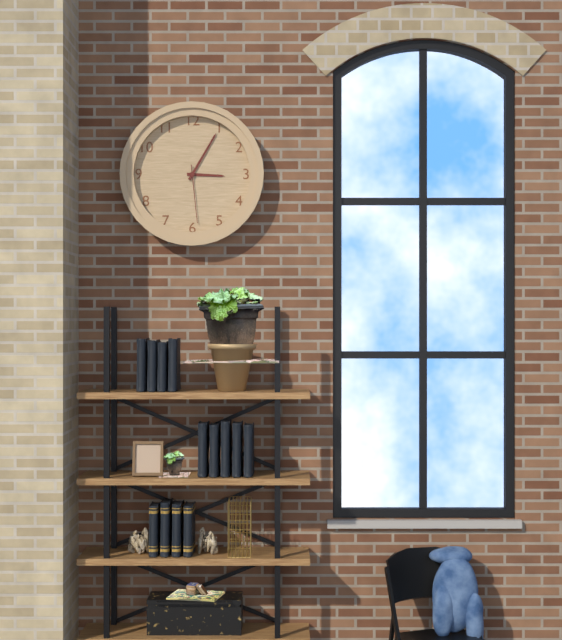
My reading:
**3:05:29**
